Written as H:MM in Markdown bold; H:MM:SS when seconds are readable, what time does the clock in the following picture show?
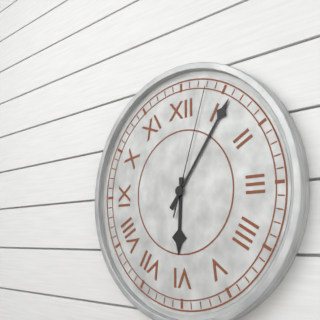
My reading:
**6:06:03**
